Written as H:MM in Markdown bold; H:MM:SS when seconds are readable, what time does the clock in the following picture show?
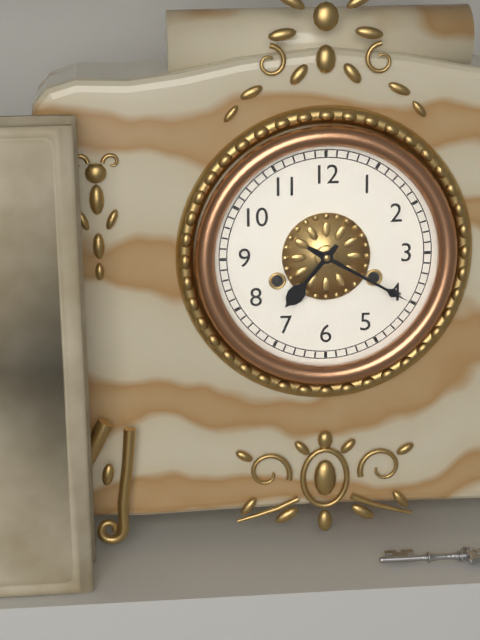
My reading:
**7:20**
